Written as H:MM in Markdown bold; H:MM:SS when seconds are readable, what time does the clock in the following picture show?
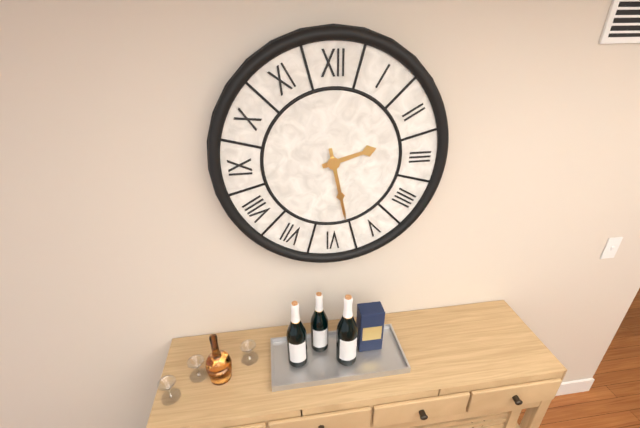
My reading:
**2:28**
